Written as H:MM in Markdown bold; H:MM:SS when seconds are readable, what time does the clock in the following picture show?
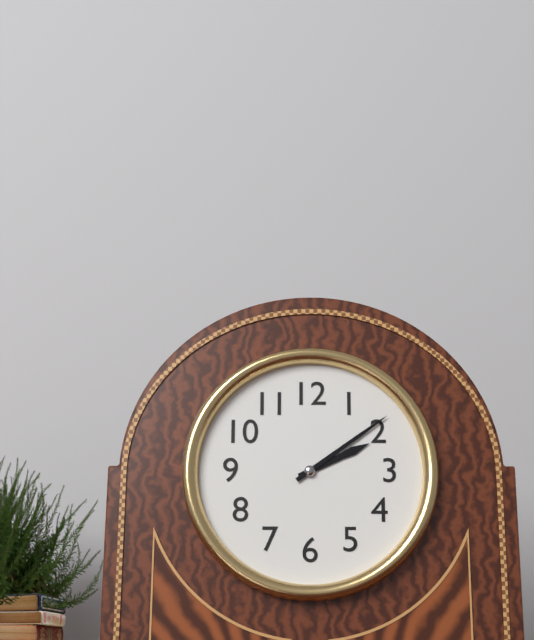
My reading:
**2:09**
